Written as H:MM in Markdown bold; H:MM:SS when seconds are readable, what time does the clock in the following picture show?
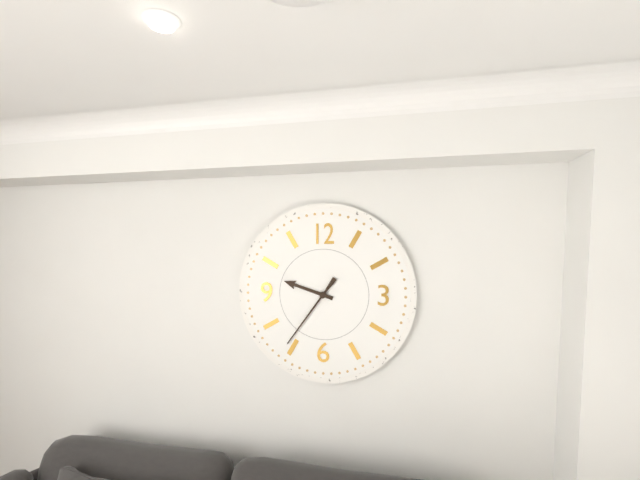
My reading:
**9:36**
